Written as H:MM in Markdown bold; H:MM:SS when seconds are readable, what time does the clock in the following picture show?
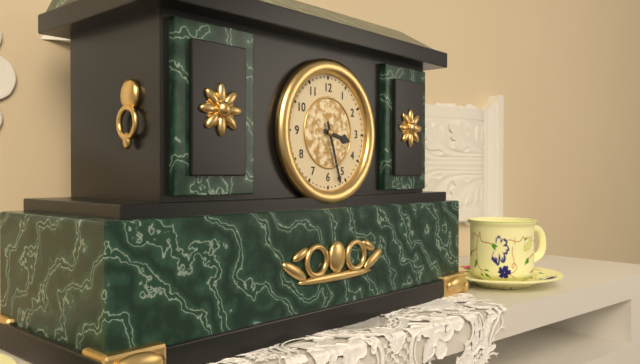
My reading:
**3:27**
